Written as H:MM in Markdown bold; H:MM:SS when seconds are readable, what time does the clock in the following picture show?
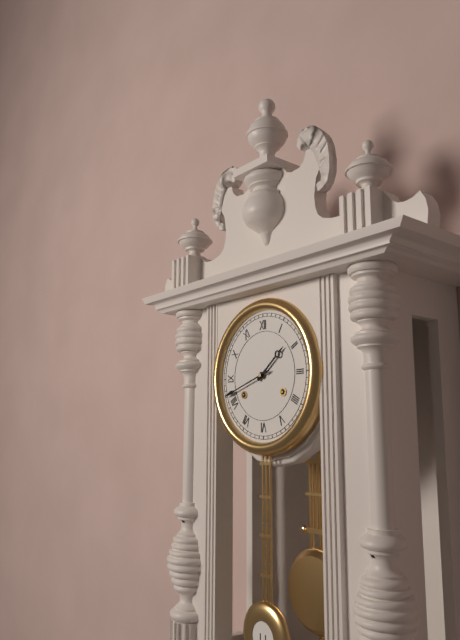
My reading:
**1:42**
